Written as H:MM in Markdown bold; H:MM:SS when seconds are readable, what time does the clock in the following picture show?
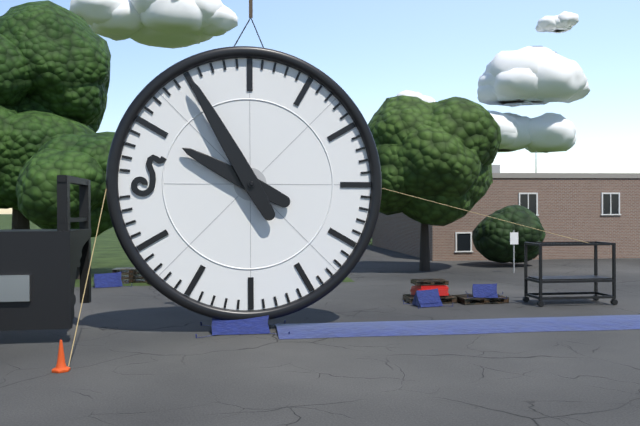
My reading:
**9:55**
